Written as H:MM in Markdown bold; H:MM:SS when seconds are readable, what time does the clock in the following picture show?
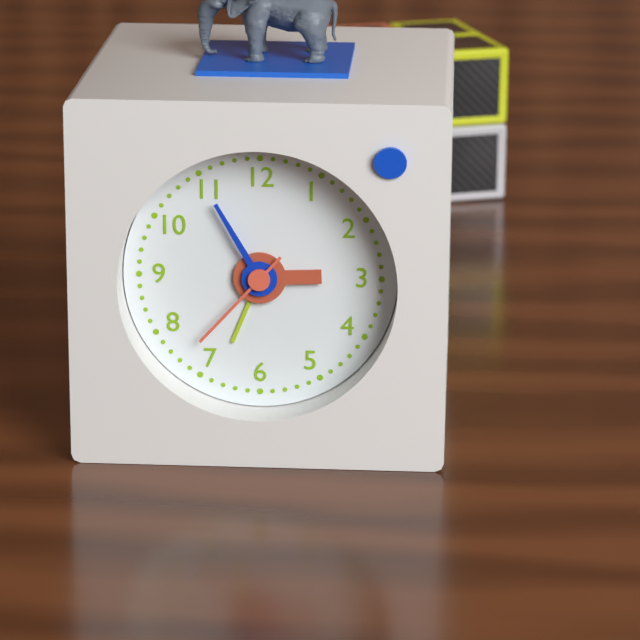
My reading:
**2:55:37**
